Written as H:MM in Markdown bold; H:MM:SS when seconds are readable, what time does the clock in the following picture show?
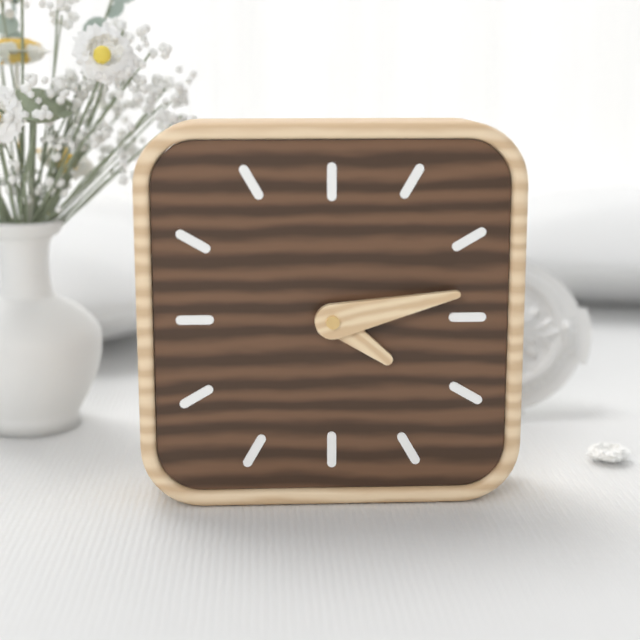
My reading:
**4:13**
